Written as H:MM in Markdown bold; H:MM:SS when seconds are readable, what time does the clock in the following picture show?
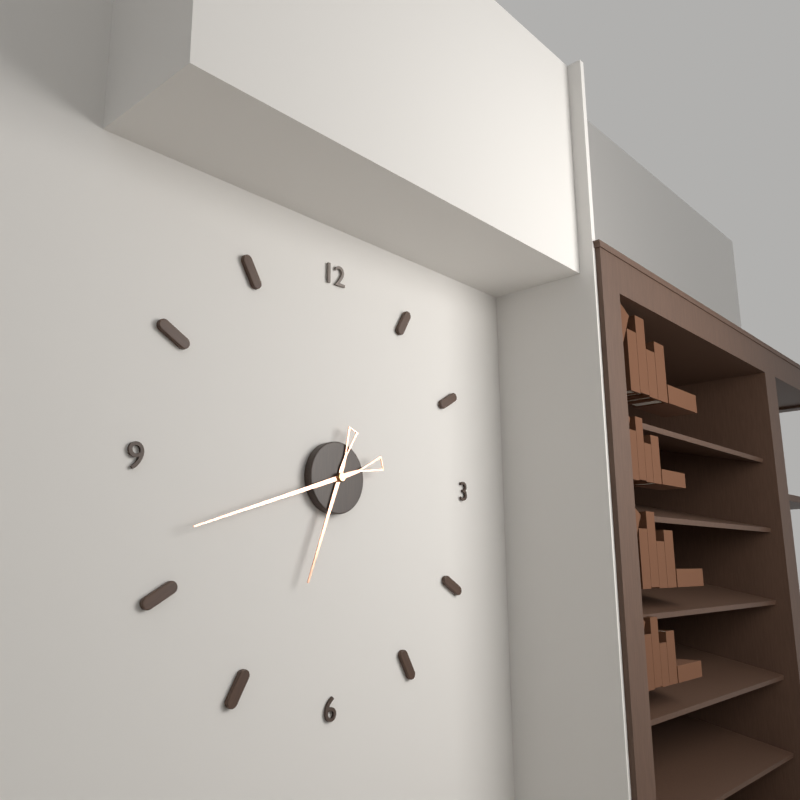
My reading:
**6:42**
